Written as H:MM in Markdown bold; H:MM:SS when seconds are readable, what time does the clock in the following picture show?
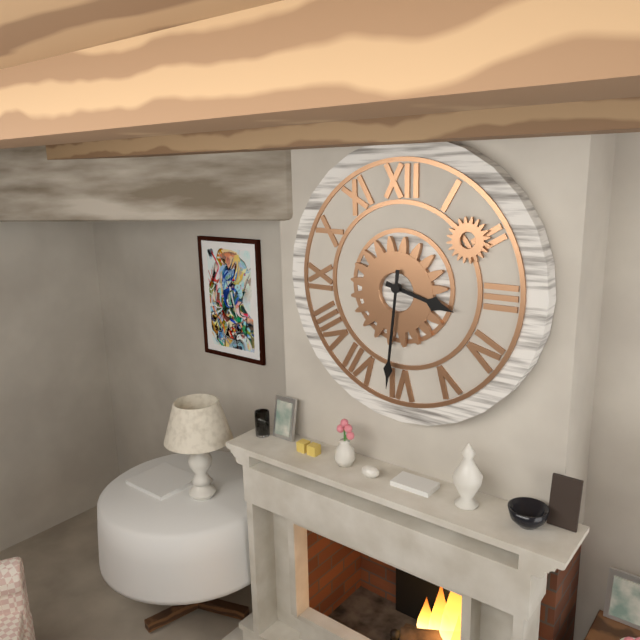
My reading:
**3:31**
